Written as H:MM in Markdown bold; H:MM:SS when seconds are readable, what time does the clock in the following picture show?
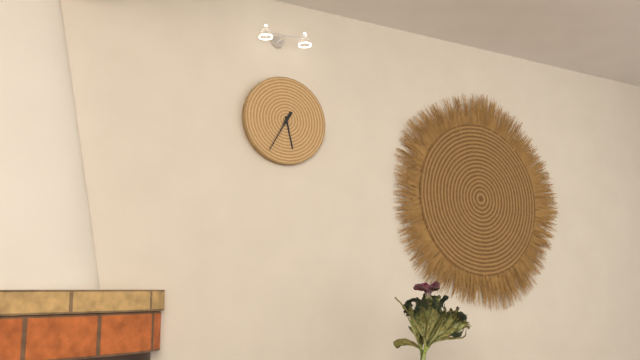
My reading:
**5:35**
